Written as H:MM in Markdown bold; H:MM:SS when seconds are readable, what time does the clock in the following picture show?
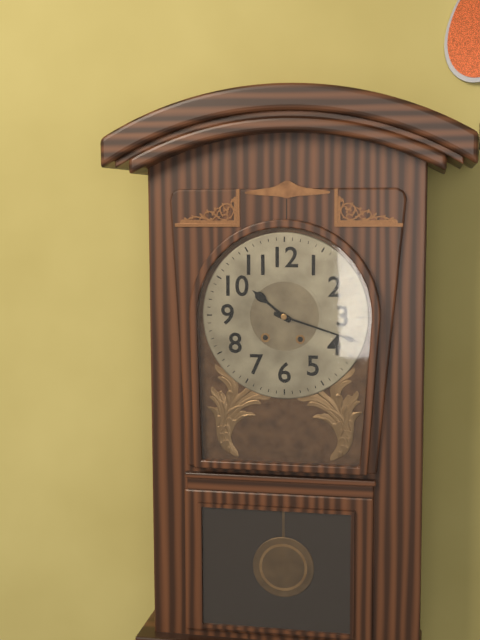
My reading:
**10:18**
